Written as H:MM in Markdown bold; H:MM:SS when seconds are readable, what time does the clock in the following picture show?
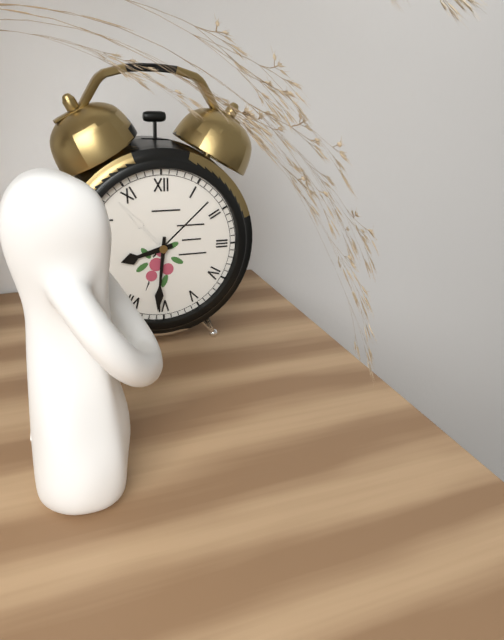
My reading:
**8:31**
